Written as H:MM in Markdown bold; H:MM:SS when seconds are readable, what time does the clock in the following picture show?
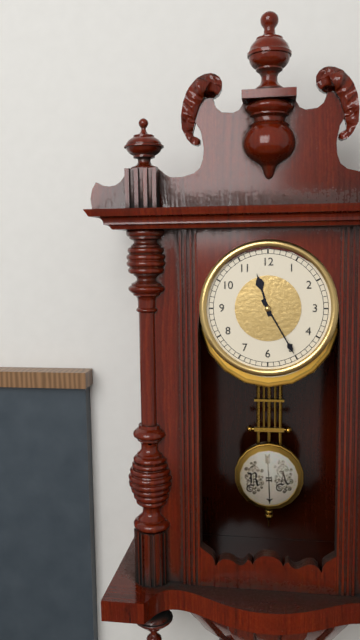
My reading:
**11:25**
